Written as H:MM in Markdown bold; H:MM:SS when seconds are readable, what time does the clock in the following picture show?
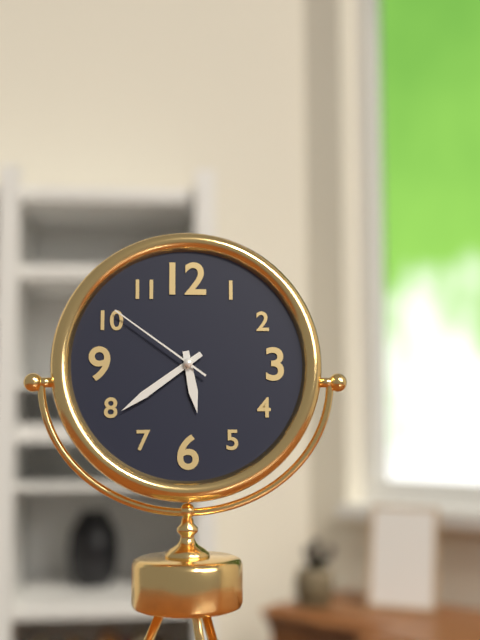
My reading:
**5:39:51**
